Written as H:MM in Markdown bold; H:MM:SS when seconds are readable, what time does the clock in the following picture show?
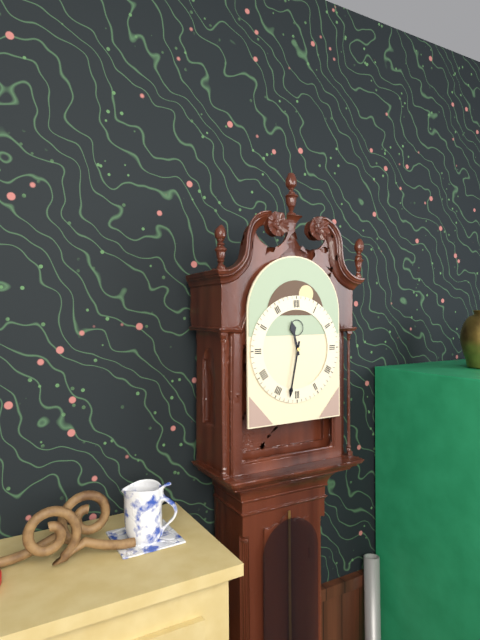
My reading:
**11:32**
